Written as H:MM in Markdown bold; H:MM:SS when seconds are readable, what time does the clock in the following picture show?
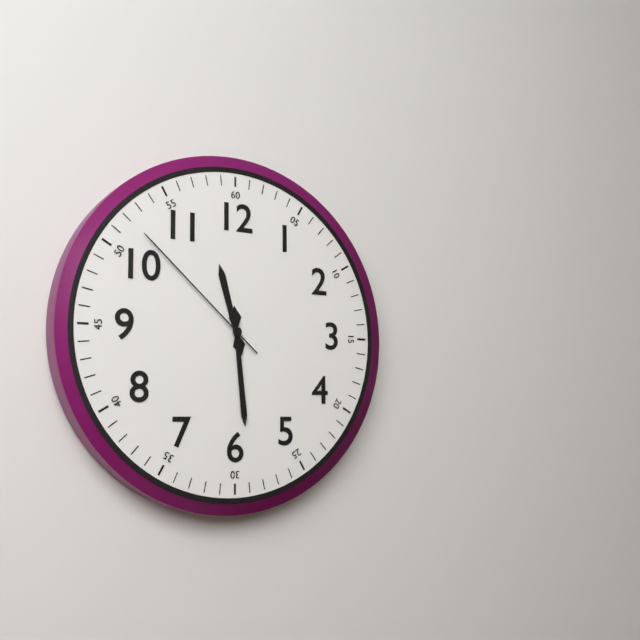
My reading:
**11:29:52**
